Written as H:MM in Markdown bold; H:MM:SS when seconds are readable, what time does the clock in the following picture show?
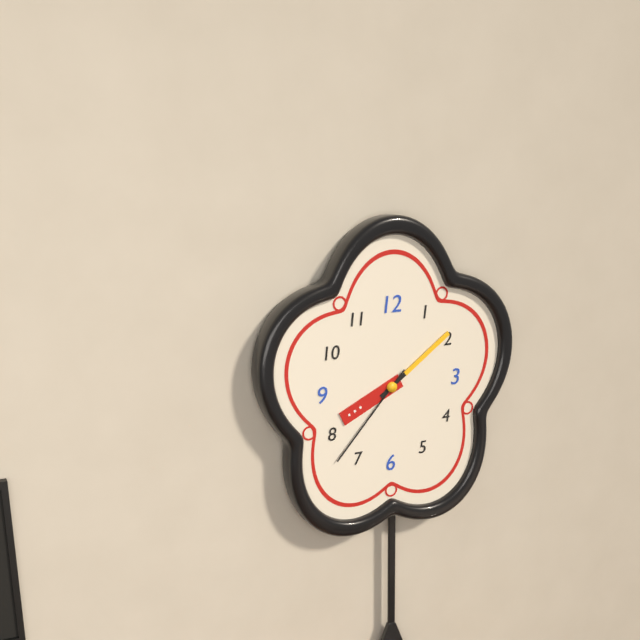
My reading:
**8:09:37**
